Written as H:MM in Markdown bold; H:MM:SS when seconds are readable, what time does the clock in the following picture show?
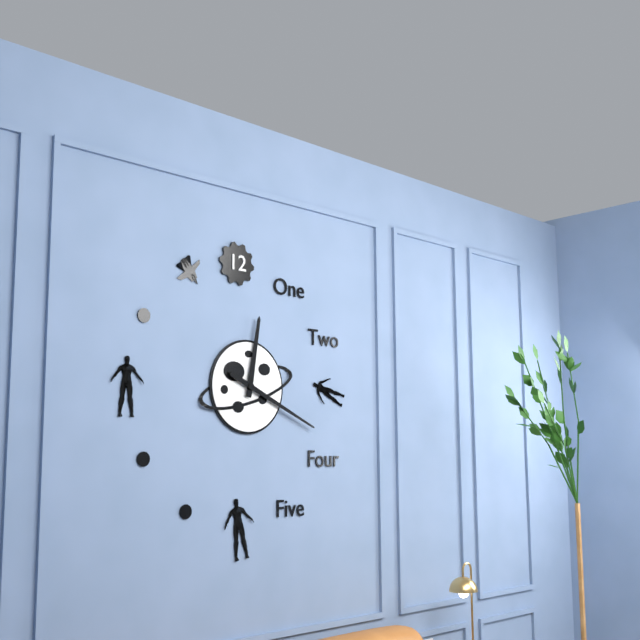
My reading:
**12:19**
